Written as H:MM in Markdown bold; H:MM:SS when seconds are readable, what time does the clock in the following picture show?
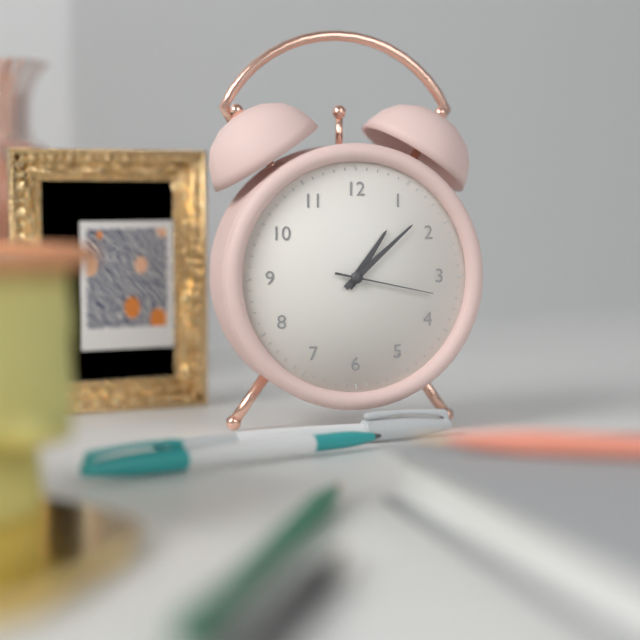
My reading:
**1:08:17**
